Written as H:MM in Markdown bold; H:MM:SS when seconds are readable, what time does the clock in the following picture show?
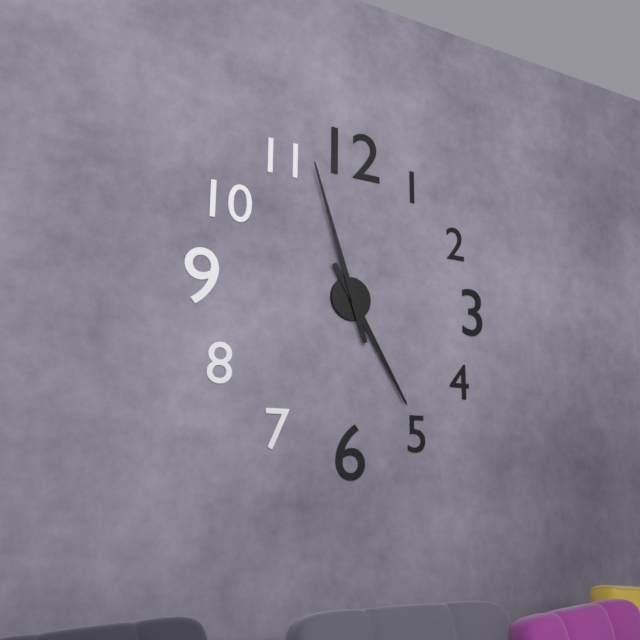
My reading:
**4:57**
